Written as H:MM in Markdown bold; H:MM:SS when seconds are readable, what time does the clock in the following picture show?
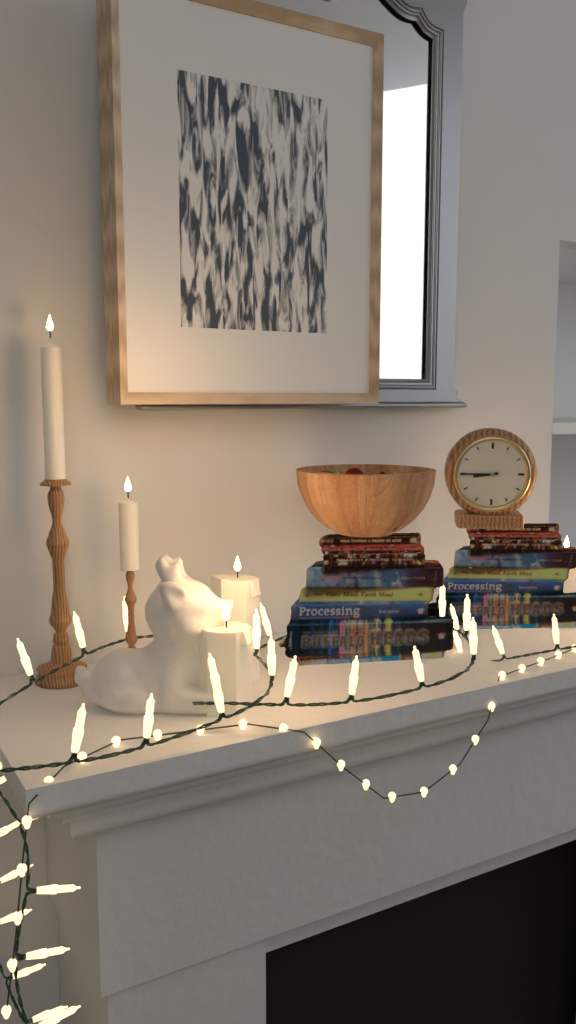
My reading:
**8:45**
